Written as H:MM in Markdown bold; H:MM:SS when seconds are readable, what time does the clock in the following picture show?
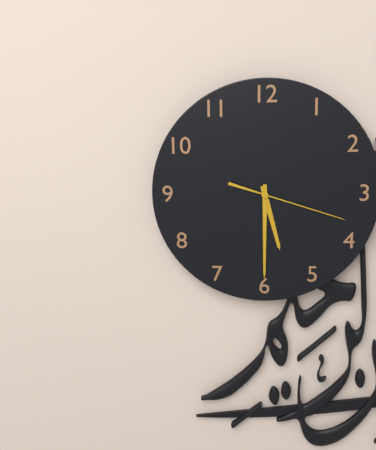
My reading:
**5:30:18**
